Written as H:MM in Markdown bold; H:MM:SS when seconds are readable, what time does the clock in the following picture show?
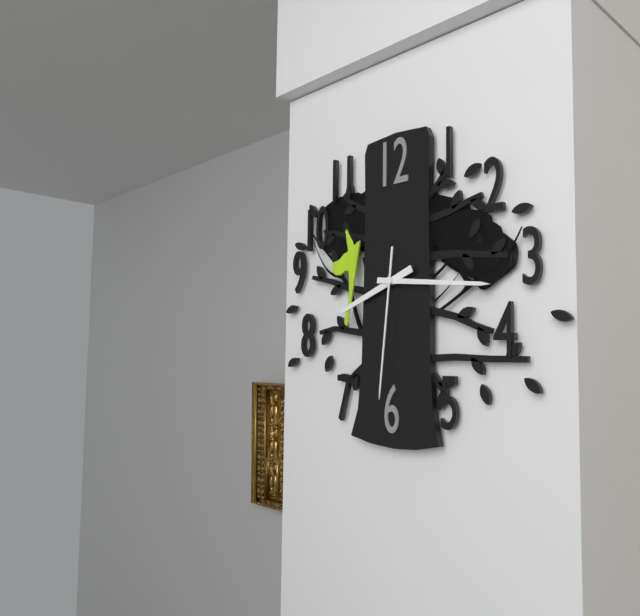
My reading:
**8:16:31**
